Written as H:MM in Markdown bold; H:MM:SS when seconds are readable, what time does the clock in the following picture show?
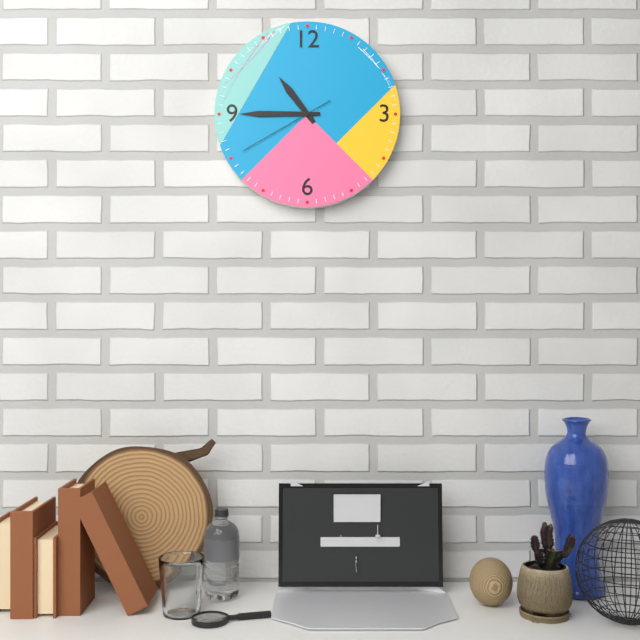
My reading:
**10:45:40**
